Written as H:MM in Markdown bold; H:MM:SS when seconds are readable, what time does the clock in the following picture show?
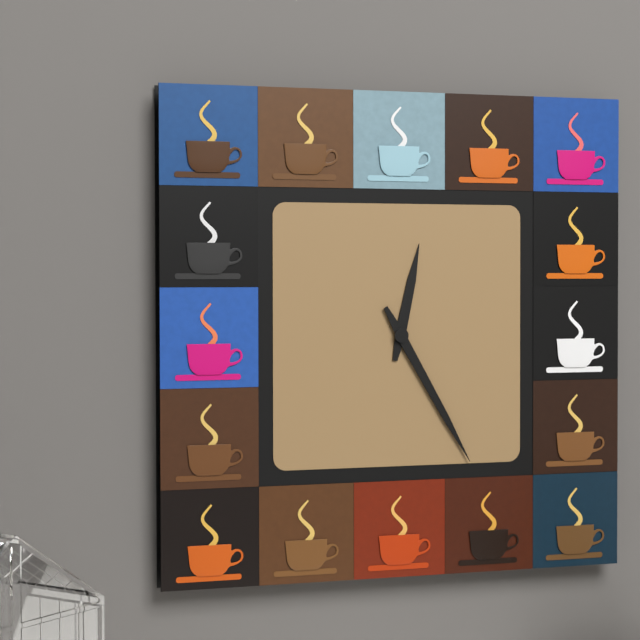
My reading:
**12:25**
